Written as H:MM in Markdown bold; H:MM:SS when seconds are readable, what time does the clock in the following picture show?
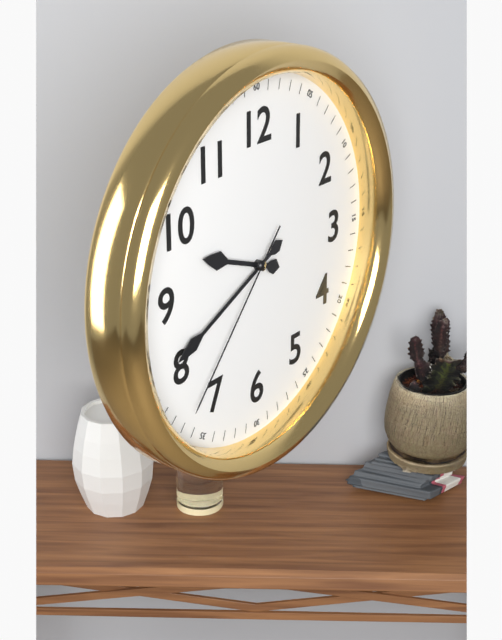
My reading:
**9:41:37**
